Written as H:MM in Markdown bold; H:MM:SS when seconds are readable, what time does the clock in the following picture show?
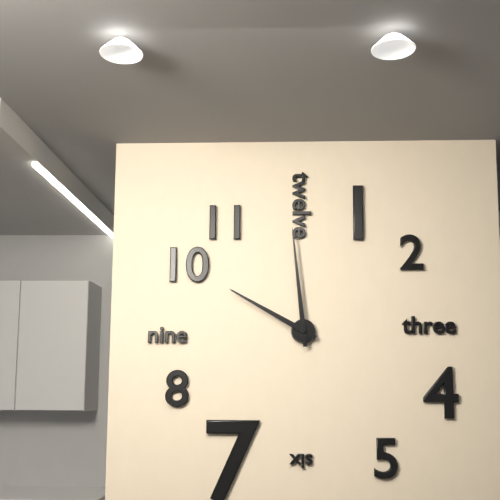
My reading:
**9:59**
